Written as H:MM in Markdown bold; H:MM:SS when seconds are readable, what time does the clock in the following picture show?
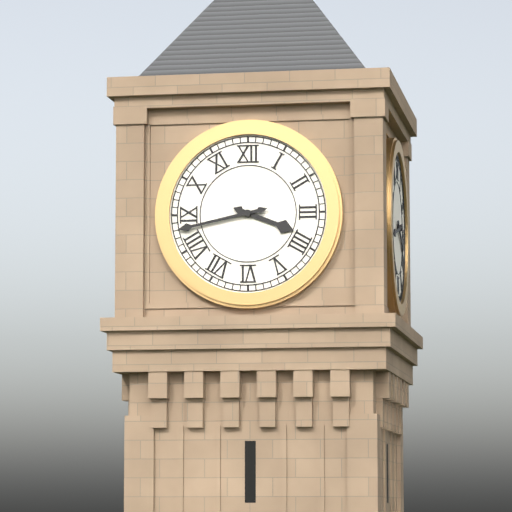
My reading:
**3:43**
